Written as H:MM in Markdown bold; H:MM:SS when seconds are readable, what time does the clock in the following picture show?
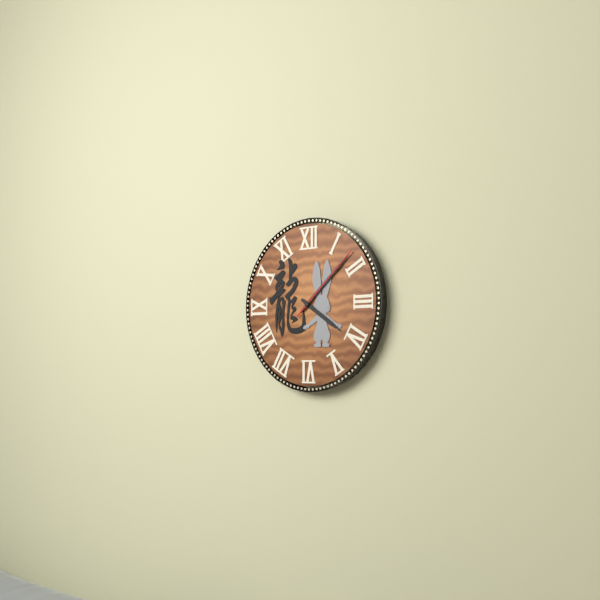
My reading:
**4:08:08**
